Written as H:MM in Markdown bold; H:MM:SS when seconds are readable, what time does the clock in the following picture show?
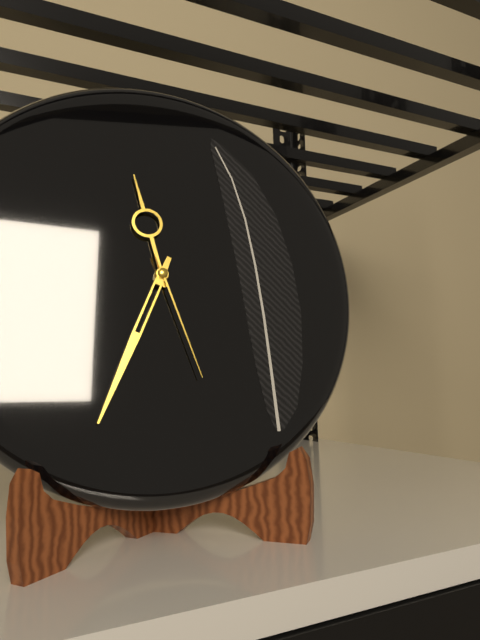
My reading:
**11:34:27**
